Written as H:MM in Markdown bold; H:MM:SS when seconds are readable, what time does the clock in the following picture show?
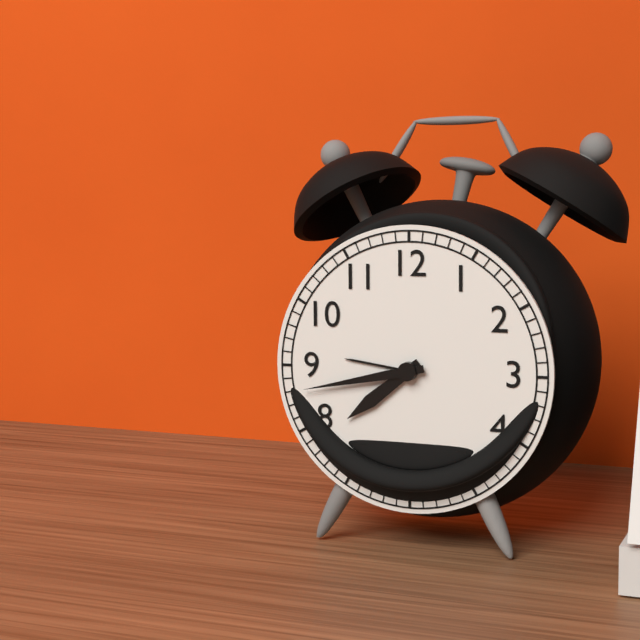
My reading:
**7:43**
